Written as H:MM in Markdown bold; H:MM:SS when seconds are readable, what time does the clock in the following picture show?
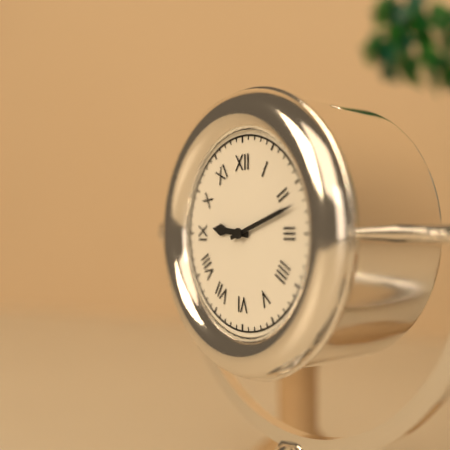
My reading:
**9:12**
